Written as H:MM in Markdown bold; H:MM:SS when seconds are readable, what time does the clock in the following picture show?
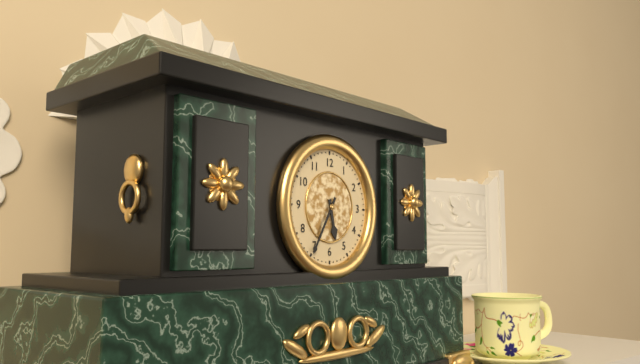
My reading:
**5:35**
